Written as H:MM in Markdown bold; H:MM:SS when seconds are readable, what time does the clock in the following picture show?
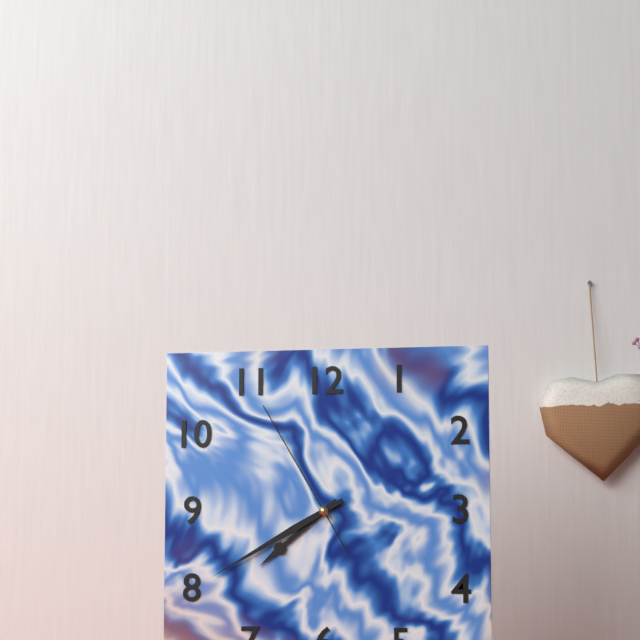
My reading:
**7:40:55**
